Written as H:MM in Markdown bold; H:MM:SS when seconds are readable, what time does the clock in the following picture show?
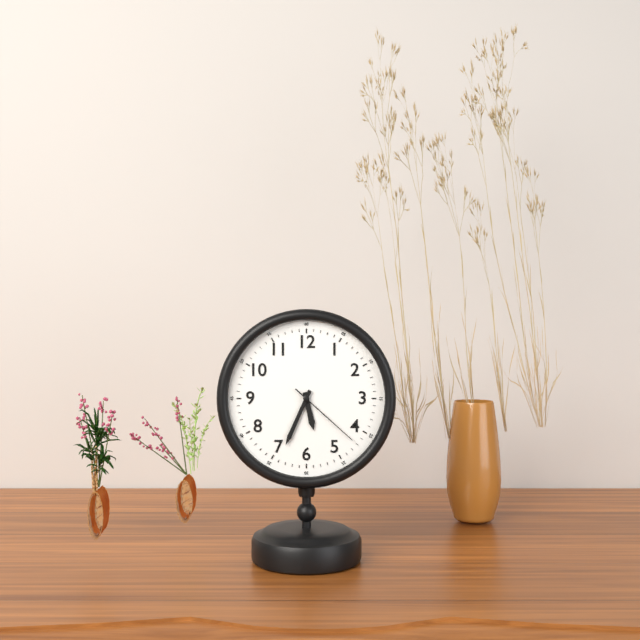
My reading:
**5:34:22**
